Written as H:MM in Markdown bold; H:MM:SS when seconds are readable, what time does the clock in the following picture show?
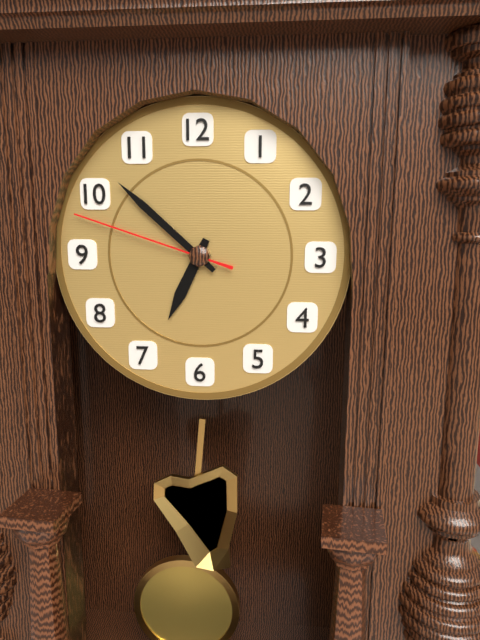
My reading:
**6:52:48**
